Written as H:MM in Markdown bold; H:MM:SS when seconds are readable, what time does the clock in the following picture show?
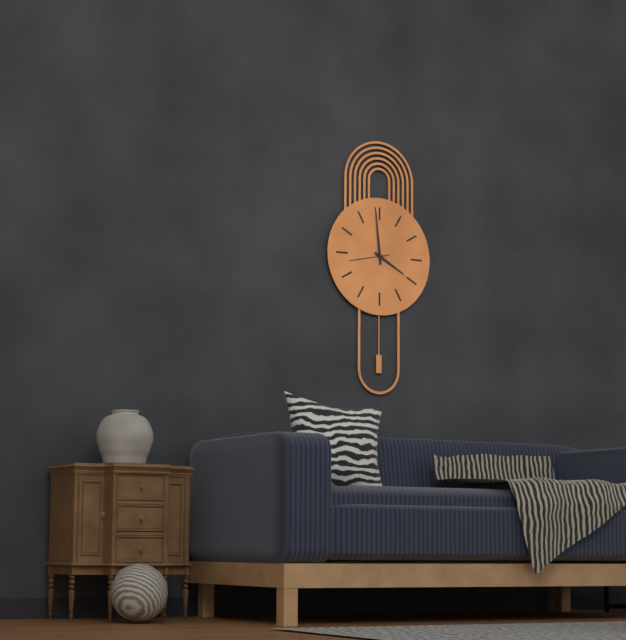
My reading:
**3:59**
